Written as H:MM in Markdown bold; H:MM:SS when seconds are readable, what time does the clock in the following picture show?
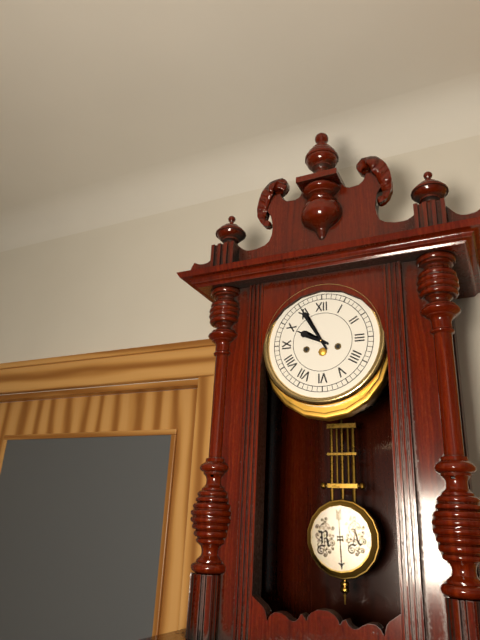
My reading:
**9:55**
